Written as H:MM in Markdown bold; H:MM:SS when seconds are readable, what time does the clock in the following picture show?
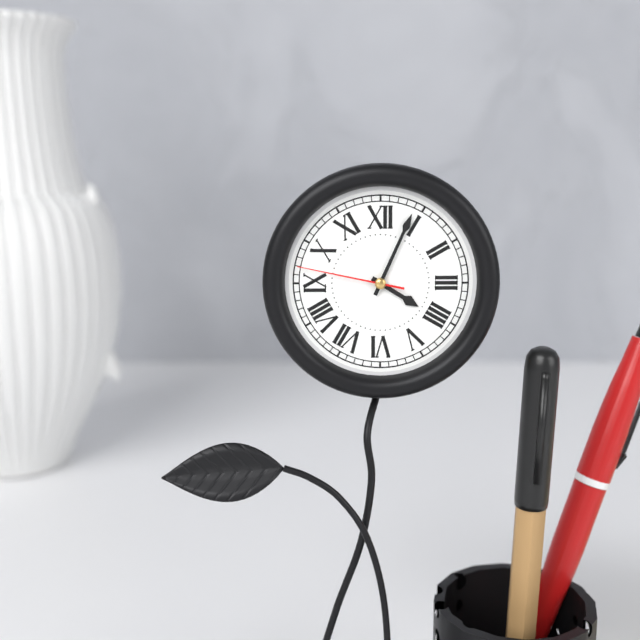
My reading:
**4:04:47**
